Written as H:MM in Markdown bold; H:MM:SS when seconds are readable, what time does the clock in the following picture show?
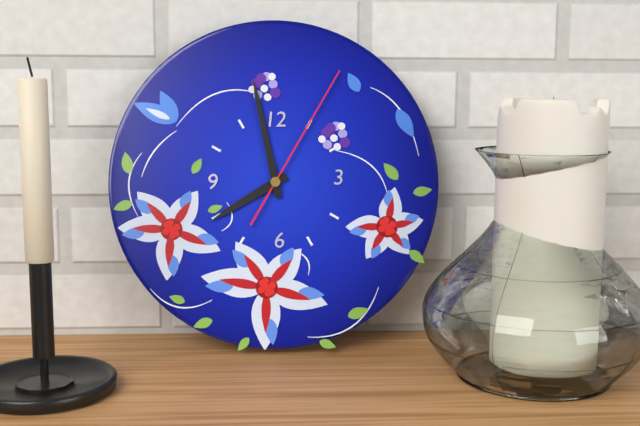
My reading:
**7:58:05**
